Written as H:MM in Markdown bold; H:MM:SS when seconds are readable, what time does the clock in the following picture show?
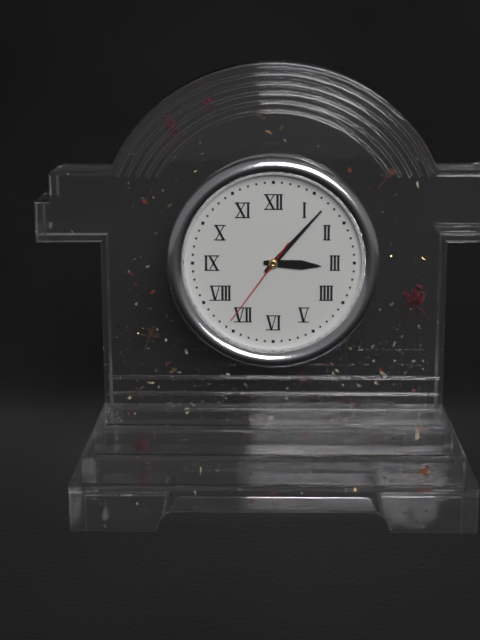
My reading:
**3:07:36**
